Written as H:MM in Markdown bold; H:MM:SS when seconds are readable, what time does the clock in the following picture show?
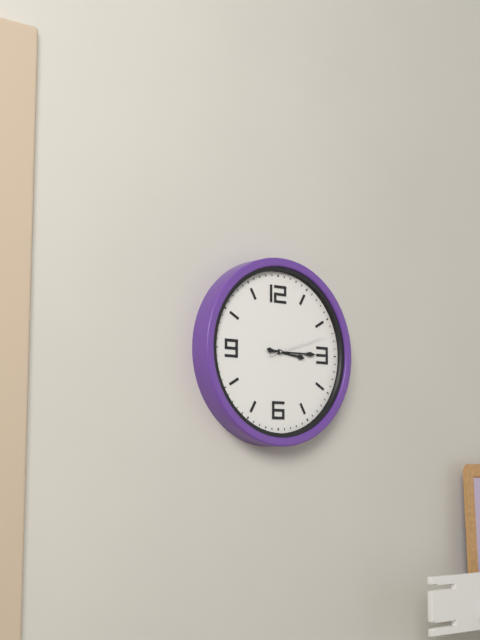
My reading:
**3:15:12**
